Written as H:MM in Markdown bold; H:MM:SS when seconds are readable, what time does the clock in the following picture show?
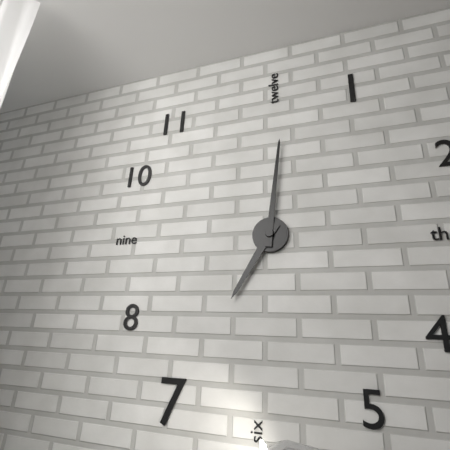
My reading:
**7:01**
